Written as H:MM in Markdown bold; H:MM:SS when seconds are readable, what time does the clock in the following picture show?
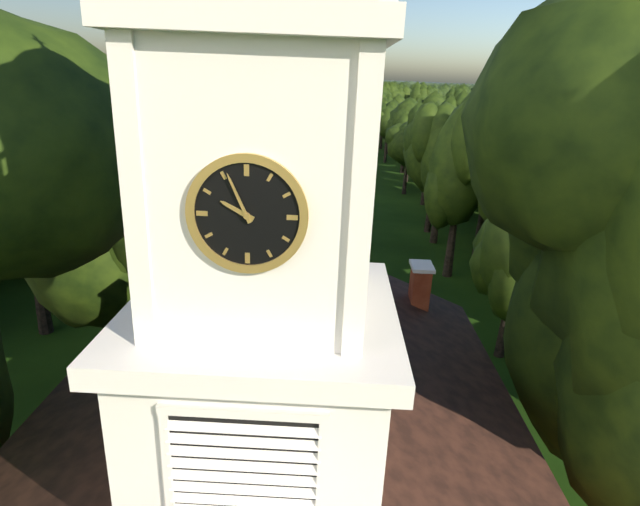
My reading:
**9:56**
